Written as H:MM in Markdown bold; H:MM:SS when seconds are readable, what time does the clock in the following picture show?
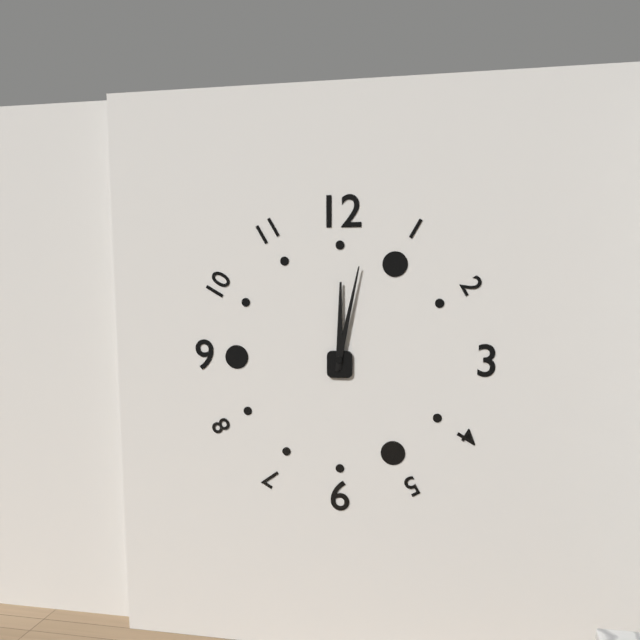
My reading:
**12:02**
